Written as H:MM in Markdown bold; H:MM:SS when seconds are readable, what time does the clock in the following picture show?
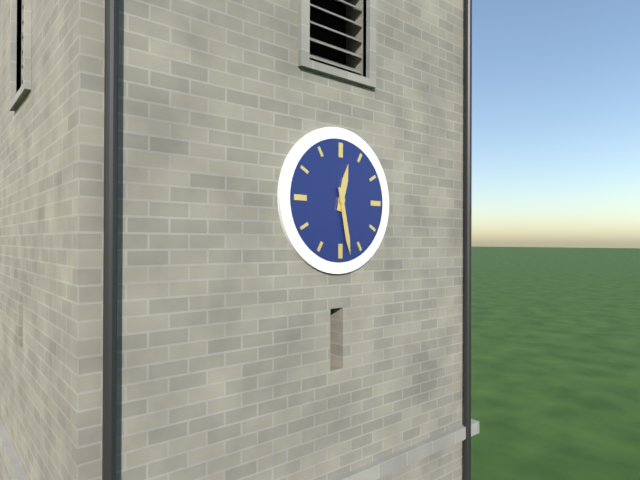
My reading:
**12:28**
